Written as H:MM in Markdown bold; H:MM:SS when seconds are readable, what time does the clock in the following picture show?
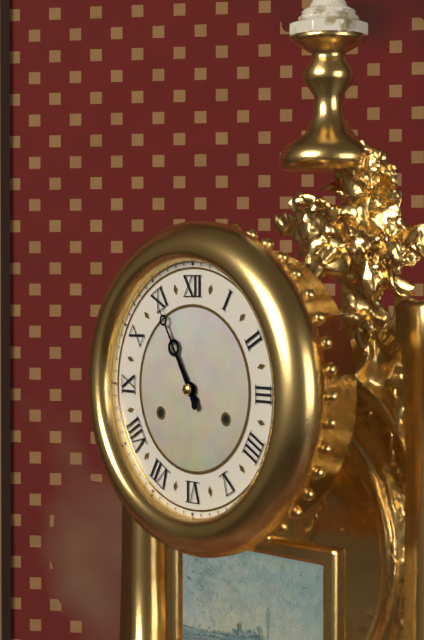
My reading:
**10:55**
